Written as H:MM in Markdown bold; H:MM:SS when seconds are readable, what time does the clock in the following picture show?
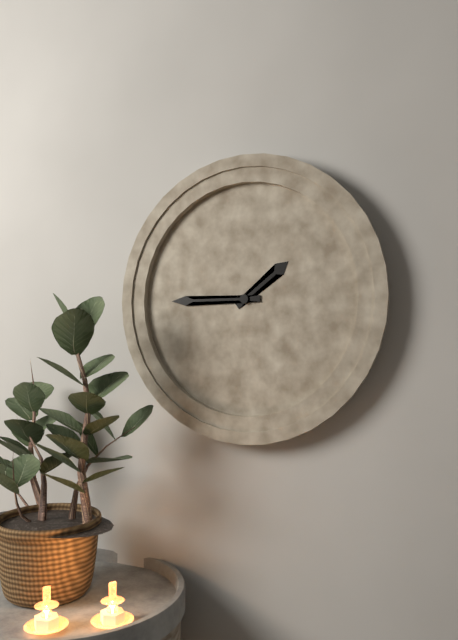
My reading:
**1:45**
